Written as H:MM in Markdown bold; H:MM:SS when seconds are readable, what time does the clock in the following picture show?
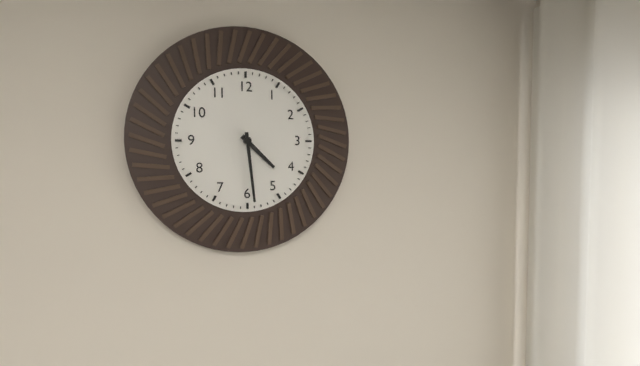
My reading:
**4:29**
